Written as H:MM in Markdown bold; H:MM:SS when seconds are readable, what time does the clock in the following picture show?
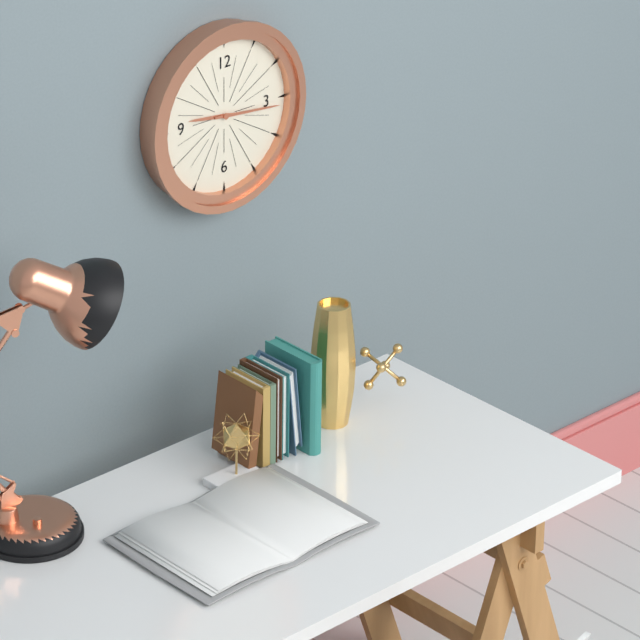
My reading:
**9:16**
